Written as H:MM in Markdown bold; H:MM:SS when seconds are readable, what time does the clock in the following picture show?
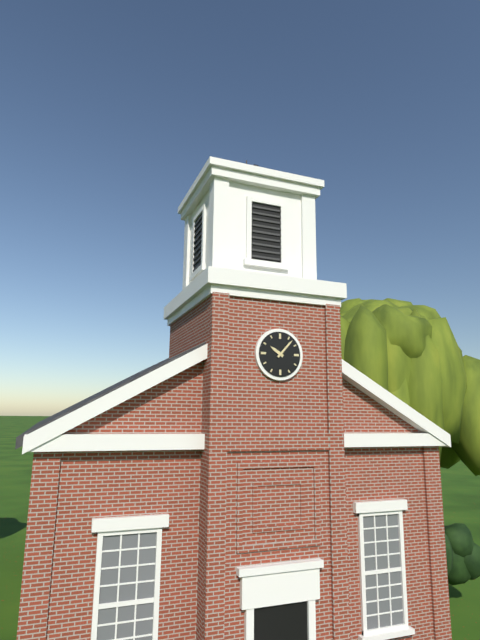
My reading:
**10:07**
